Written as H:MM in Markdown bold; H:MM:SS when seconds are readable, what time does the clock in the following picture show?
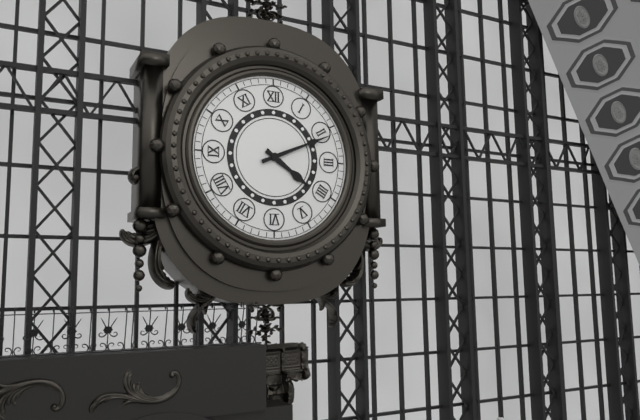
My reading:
**4:11**
